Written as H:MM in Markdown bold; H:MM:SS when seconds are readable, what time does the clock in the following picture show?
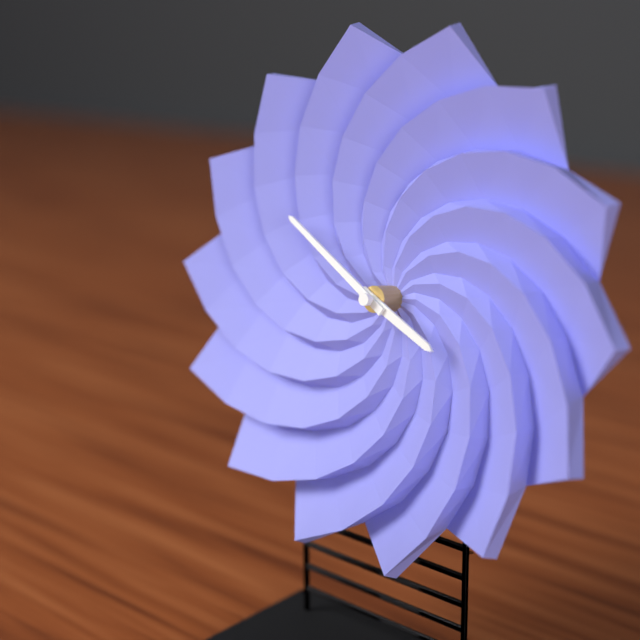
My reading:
**3:50**
